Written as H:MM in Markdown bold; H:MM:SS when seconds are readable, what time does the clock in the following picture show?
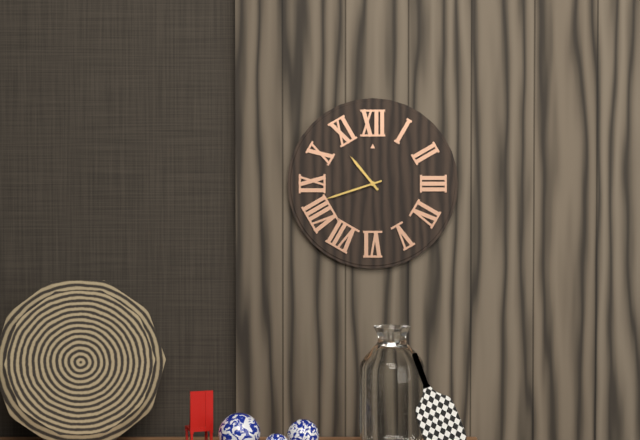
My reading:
**10:42**
